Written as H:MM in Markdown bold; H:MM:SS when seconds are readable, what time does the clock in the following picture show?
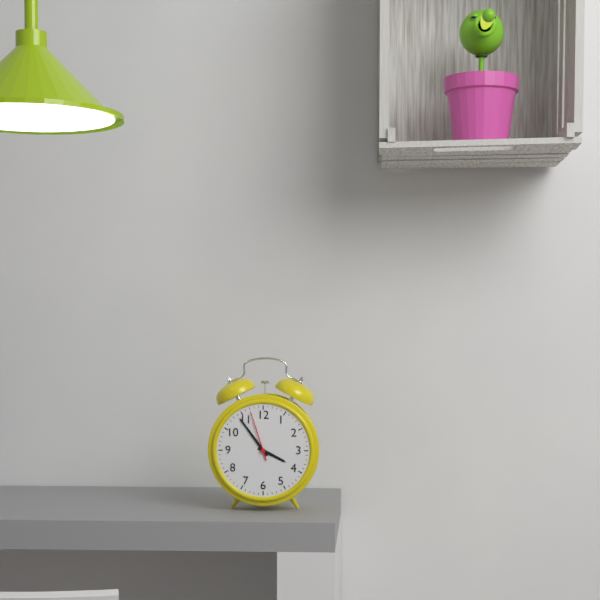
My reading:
**3:54:57**
